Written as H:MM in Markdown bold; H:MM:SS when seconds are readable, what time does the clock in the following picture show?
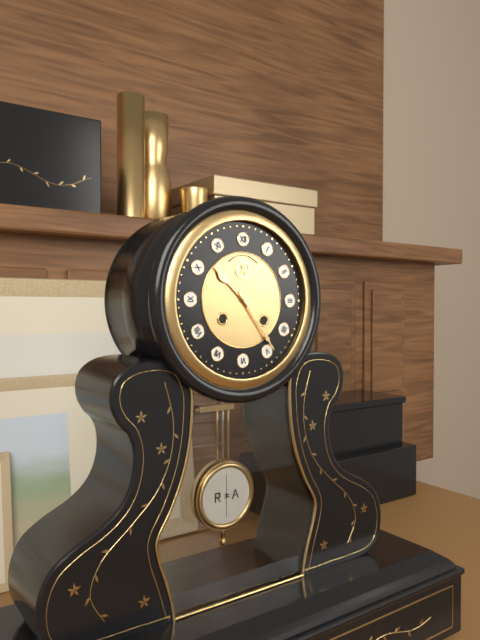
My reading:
**10:24**
